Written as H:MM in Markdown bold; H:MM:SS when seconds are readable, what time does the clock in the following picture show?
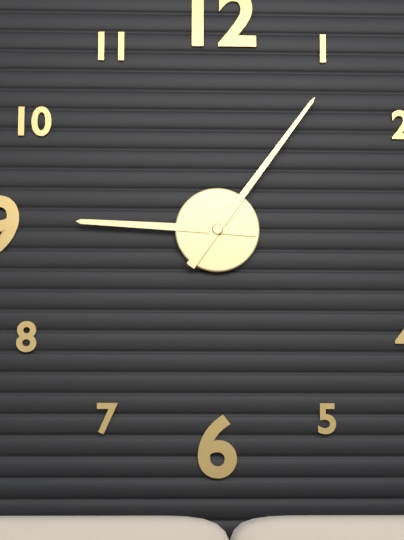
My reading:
**9:06**
